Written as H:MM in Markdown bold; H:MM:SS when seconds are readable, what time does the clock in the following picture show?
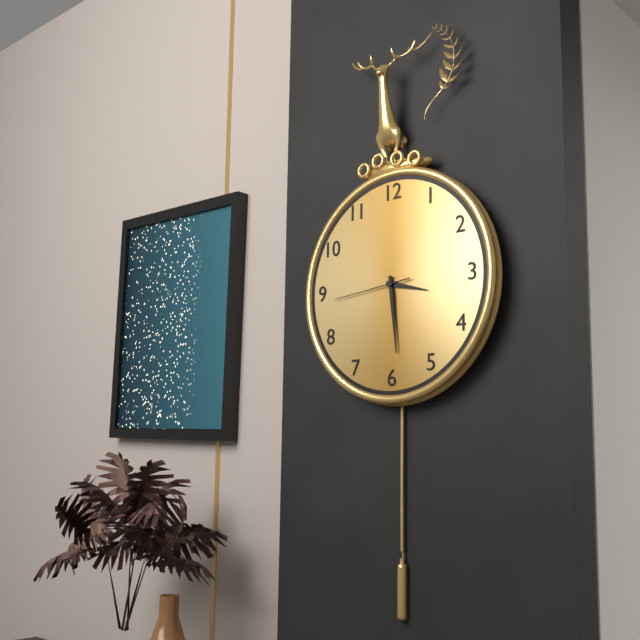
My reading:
**3:29:44**
